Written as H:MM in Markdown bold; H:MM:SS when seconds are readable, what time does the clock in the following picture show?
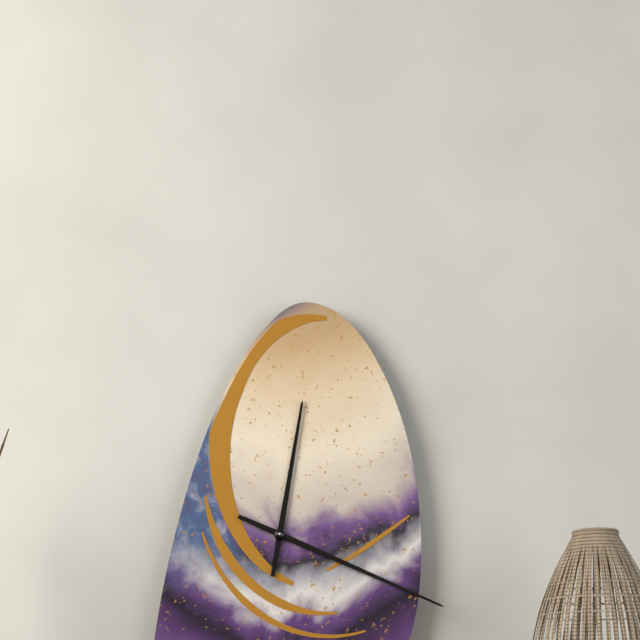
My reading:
**12:19**
